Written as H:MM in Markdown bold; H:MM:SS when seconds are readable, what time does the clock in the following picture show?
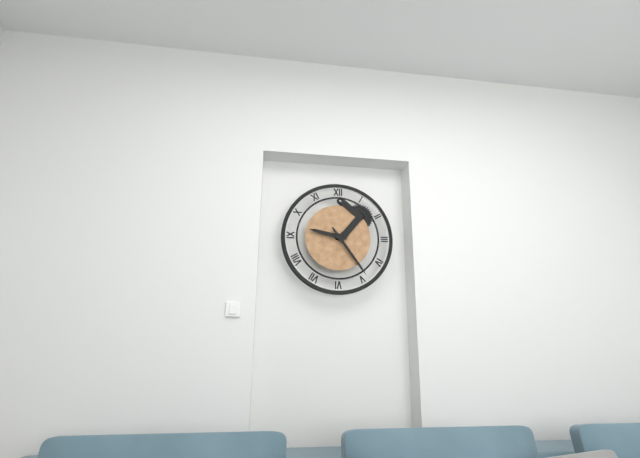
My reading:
**9:24**
